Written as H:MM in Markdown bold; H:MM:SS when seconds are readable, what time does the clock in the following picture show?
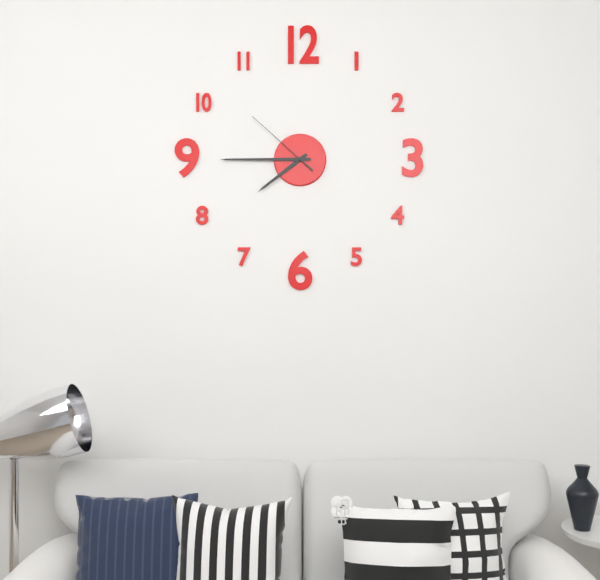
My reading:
**7:45:52**
